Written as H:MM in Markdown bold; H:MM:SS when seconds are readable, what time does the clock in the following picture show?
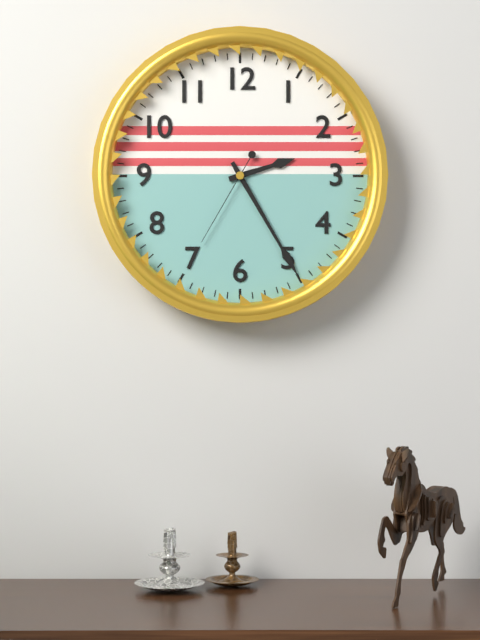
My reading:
**2:25:35**
